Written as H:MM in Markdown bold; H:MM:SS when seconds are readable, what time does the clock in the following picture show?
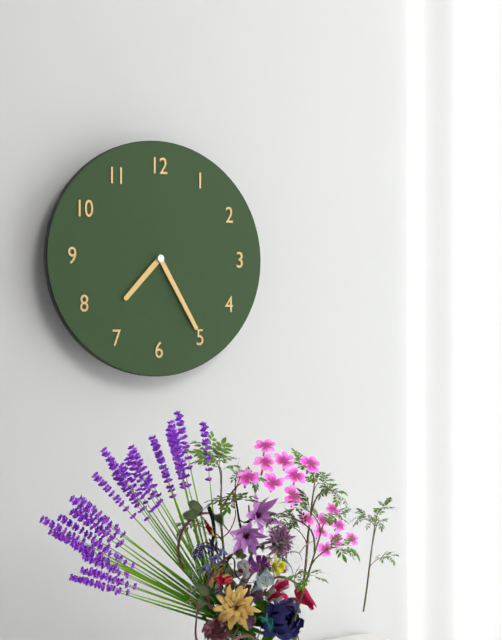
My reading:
**7:25**
